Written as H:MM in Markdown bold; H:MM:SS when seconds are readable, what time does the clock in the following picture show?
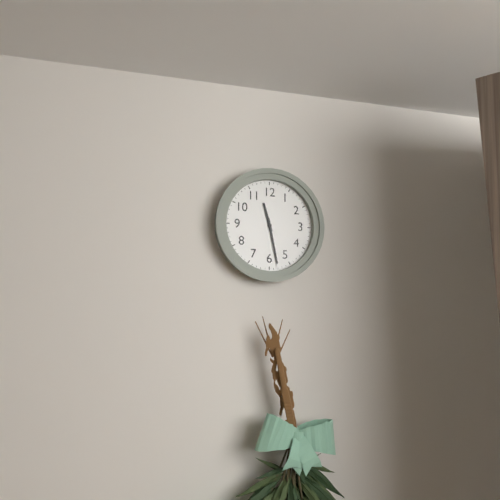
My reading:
**11:28**
